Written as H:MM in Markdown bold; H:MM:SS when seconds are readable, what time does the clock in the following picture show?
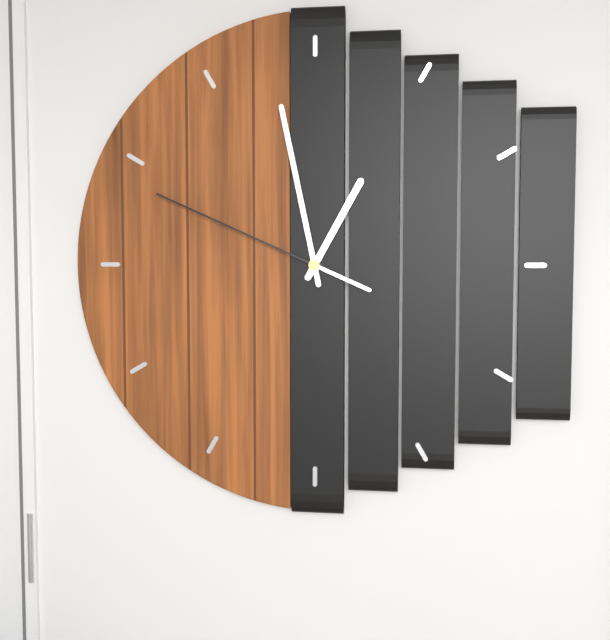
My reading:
**12:58:49**
